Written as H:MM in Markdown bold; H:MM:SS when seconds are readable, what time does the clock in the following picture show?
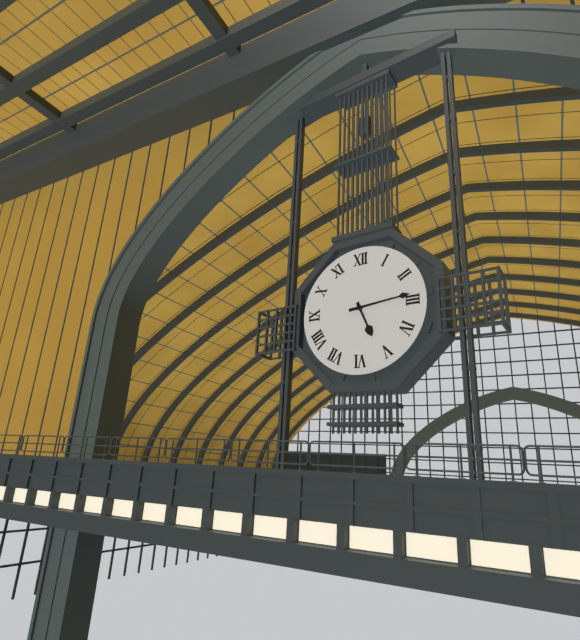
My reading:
**5:14**
